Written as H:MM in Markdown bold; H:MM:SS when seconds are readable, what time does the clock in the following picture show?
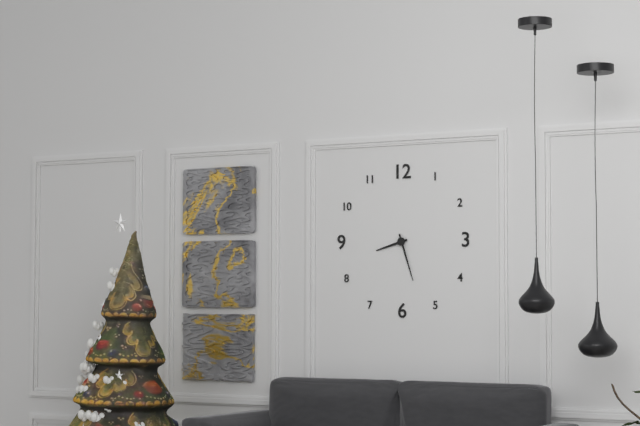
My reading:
**8:27**
